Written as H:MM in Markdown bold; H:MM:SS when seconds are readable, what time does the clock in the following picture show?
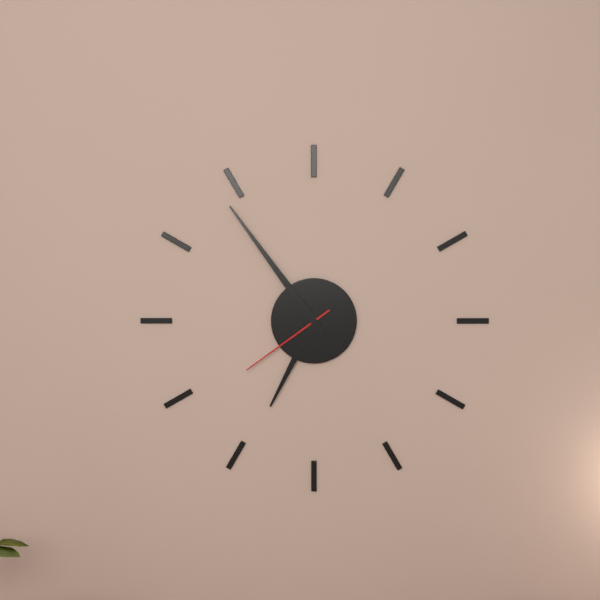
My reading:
**6:54:39**
